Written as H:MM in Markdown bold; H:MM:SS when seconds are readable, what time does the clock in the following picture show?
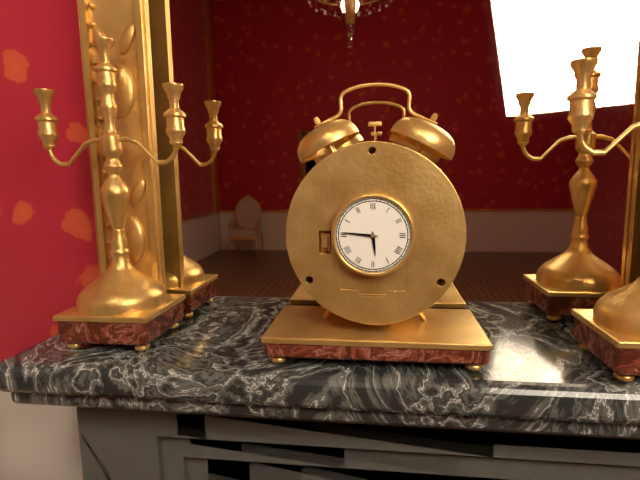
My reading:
**5:46**
